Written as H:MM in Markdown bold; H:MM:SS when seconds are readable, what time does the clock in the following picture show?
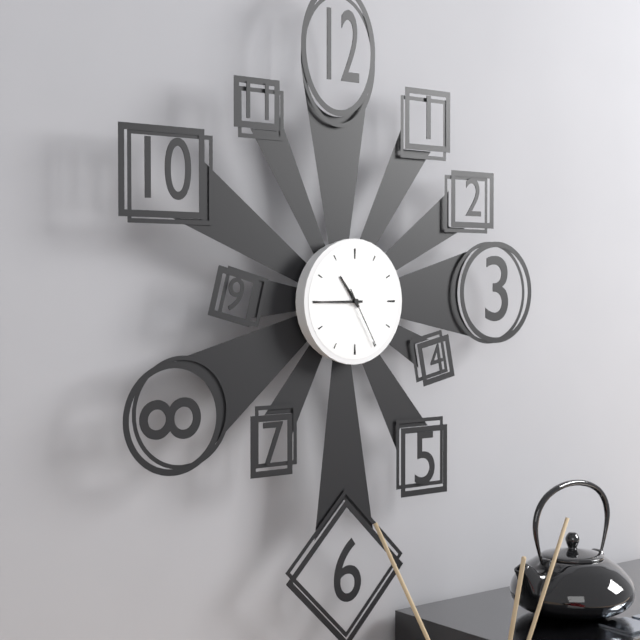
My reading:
**10:45:25**
